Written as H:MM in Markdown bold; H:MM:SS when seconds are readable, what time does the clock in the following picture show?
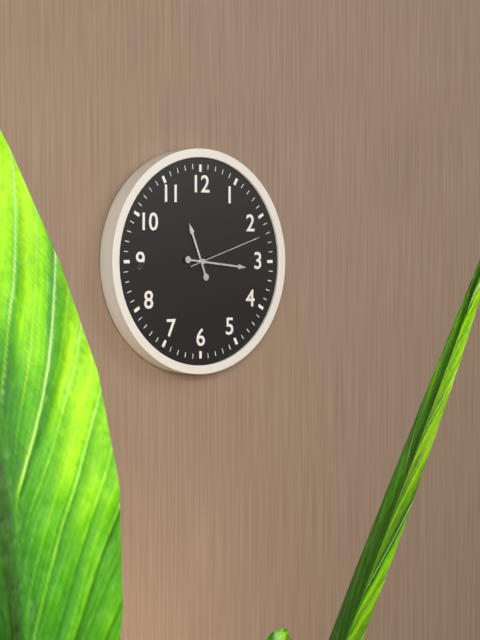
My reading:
**11:16:12**
